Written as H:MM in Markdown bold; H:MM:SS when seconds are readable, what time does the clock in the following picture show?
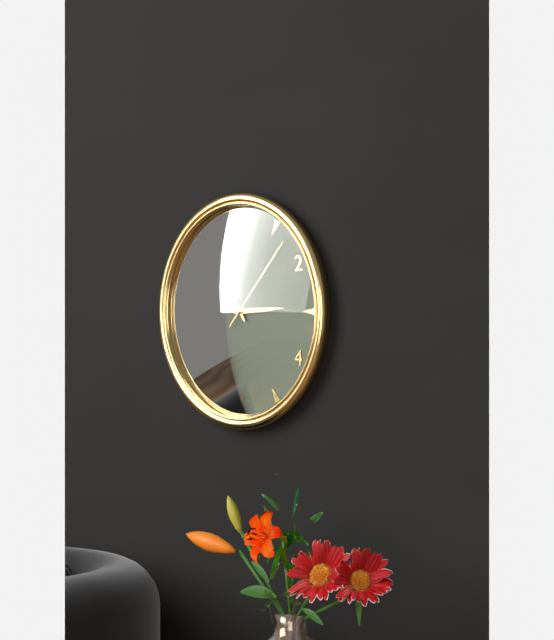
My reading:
**2:54:07**
